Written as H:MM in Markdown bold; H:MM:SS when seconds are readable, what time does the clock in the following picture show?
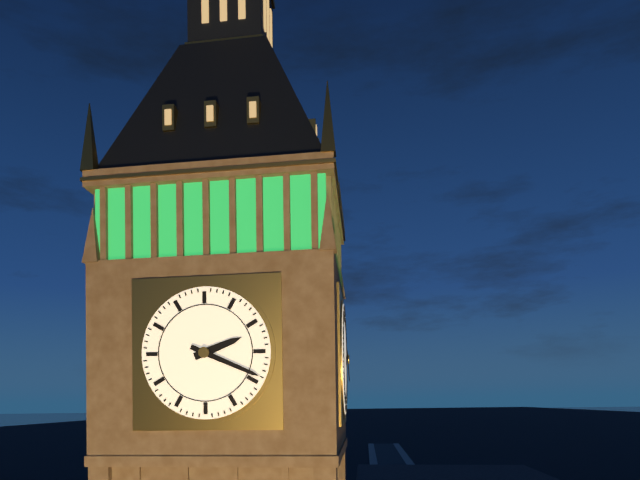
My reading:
**2:19**
